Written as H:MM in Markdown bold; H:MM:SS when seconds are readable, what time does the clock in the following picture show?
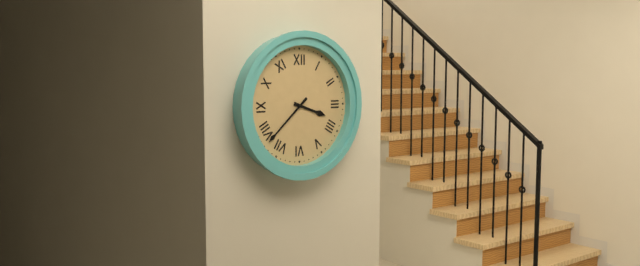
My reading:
**3:38**
